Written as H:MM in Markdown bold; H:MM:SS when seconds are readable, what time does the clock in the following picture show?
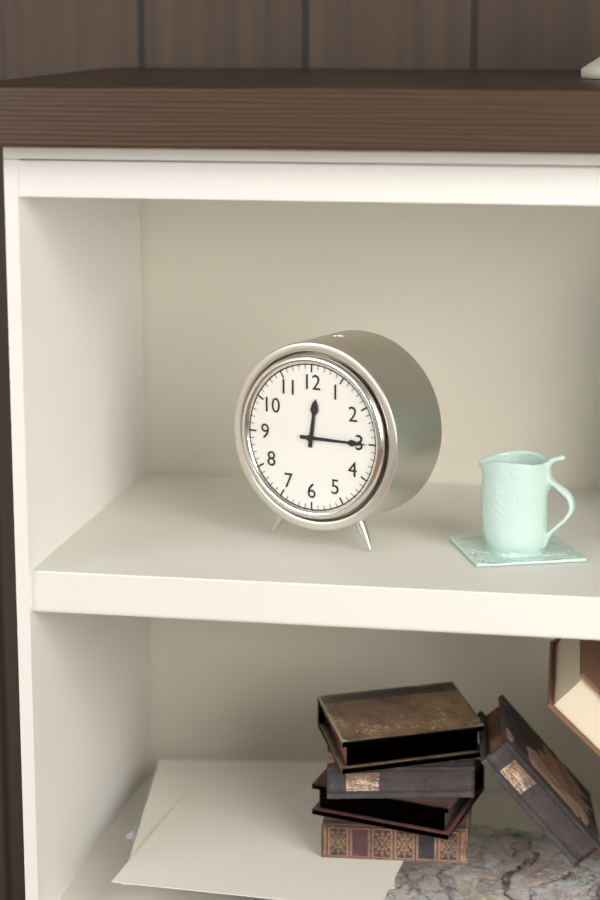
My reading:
**12:15**
